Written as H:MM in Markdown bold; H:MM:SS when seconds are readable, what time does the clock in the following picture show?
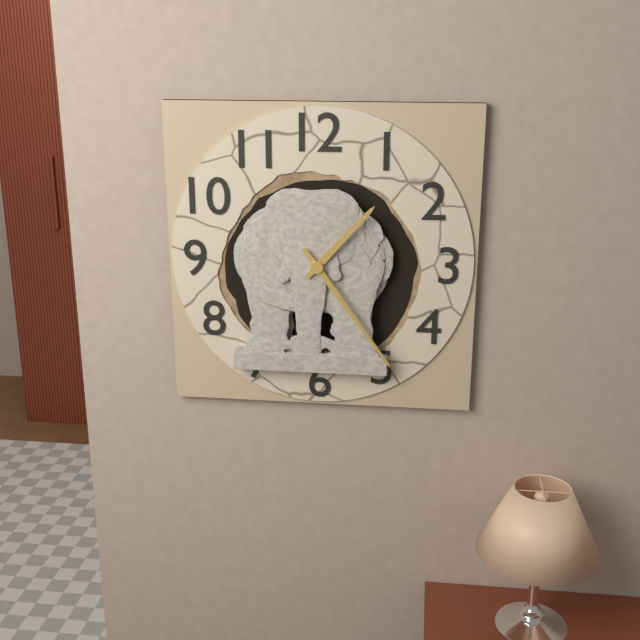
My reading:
**1:24**
